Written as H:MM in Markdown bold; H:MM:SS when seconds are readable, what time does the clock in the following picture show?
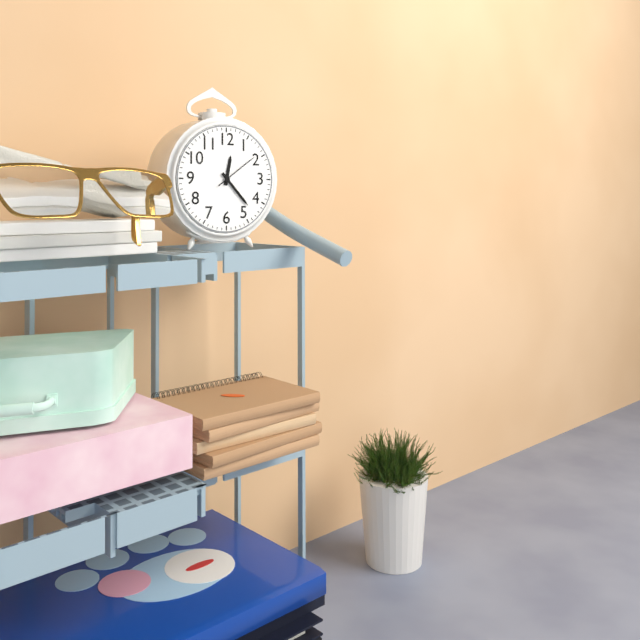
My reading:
**12:23**
